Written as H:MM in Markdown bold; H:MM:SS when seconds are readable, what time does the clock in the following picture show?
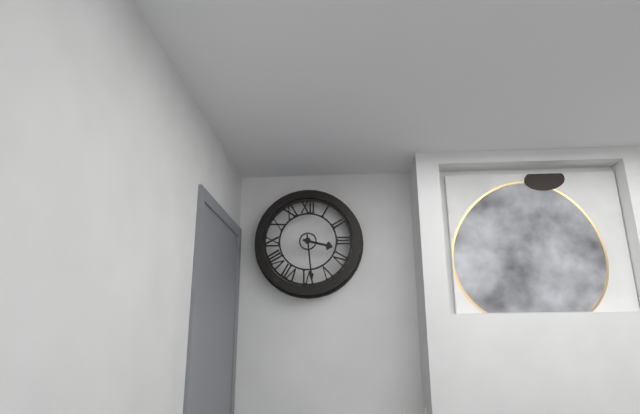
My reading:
**3:29**
